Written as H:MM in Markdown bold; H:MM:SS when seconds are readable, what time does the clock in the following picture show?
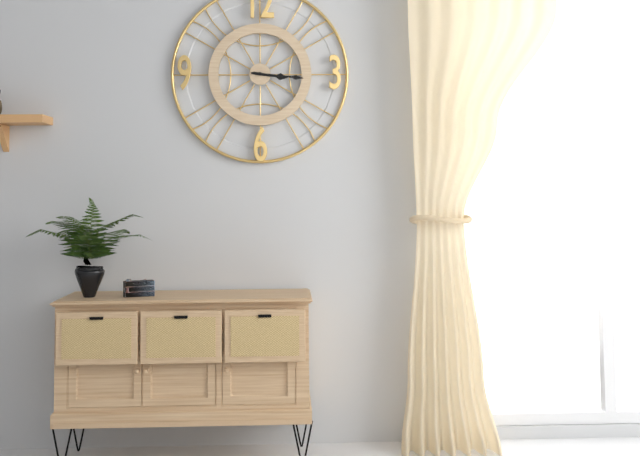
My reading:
**3:16**
